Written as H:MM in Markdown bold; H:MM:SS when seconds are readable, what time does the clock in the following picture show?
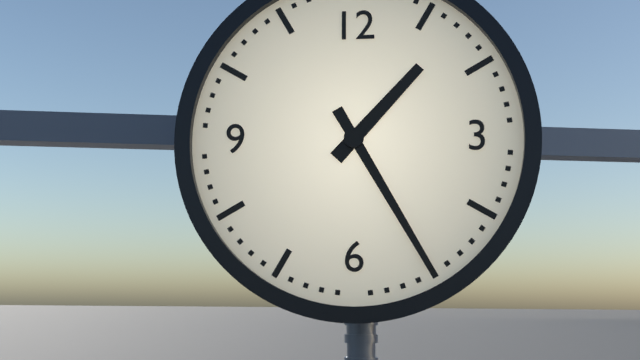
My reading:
**1:25**
